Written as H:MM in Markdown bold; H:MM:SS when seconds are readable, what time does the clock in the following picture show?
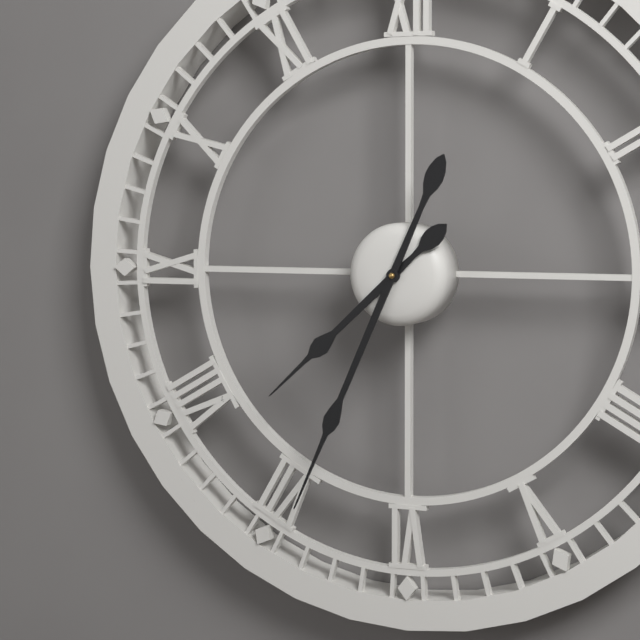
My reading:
**7:34**
